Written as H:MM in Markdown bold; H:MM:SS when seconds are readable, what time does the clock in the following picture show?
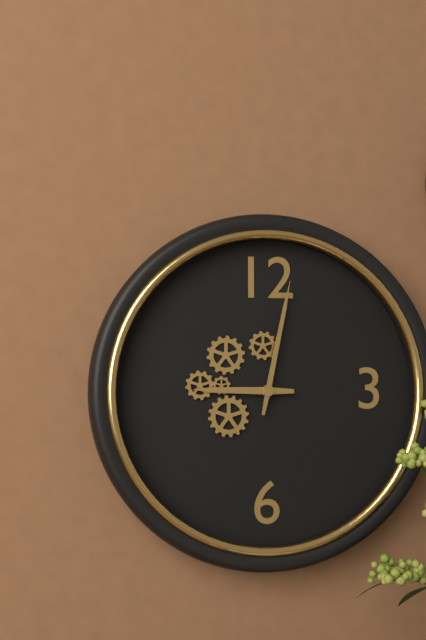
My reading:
**9:02**
